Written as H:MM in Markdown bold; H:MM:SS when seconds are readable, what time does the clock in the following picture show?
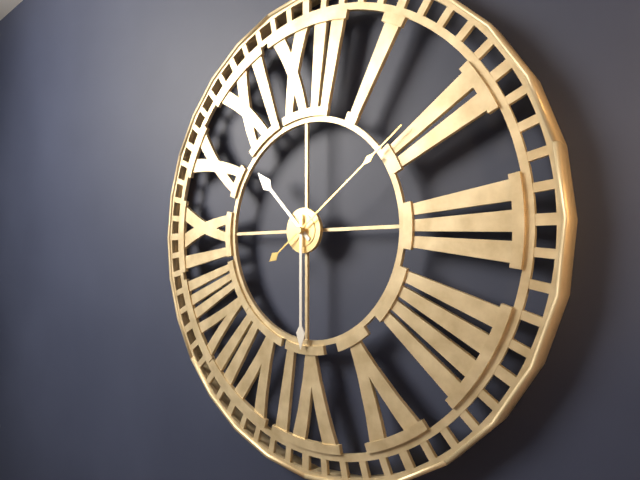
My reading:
**10:30:09**
